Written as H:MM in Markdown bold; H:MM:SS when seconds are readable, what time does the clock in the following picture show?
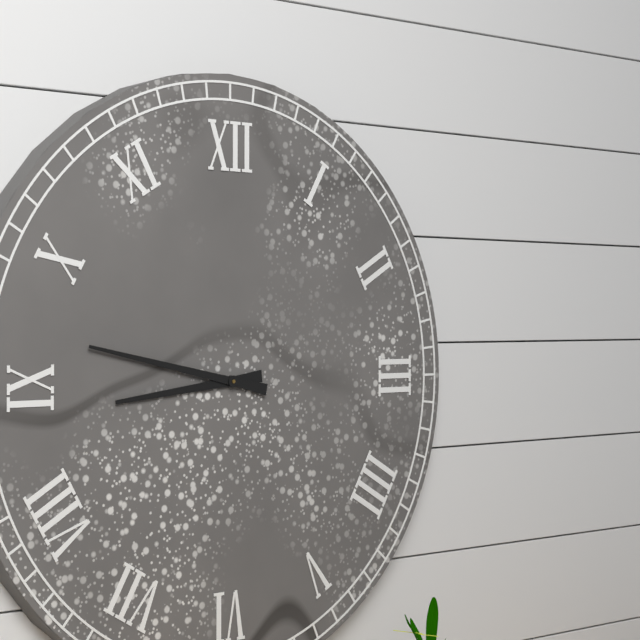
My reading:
**8:47**
